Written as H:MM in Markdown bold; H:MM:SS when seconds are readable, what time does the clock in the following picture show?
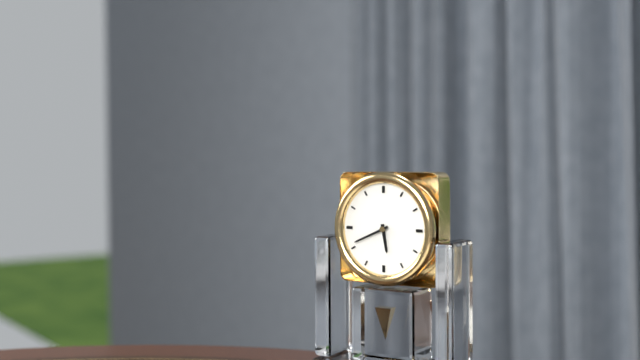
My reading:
**5:41**
